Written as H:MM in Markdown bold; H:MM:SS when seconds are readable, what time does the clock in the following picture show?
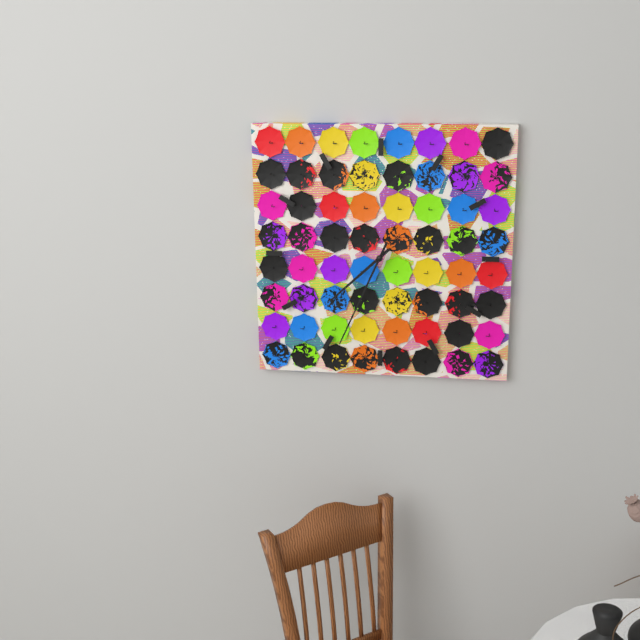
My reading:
**7:34**
